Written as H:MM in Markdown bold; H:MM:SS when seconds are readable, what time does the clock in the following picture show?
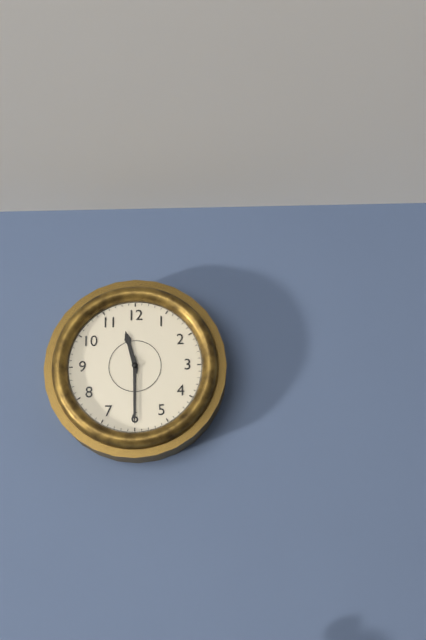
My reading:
**11:30**
